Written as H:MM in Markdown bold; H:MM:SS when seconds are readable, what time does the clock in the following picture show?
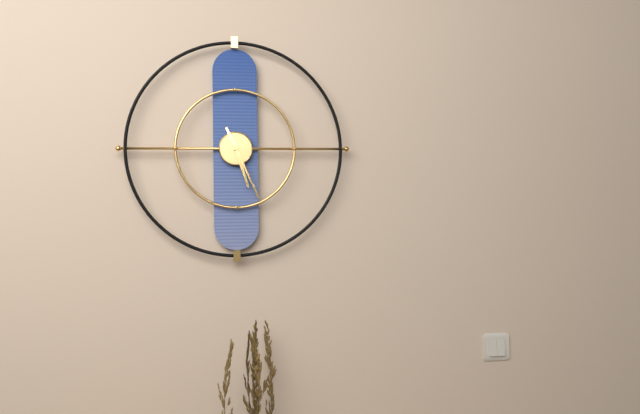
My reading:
**5:26**
